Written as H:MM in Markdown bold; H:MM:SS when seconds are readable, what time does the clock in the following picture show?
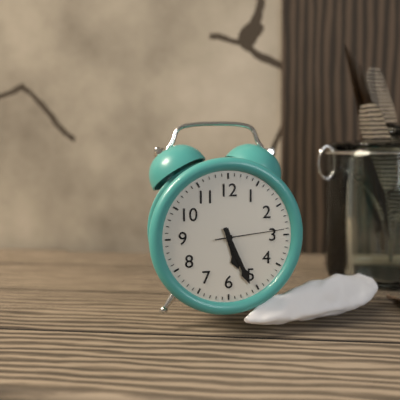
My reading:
**5:26:14**
